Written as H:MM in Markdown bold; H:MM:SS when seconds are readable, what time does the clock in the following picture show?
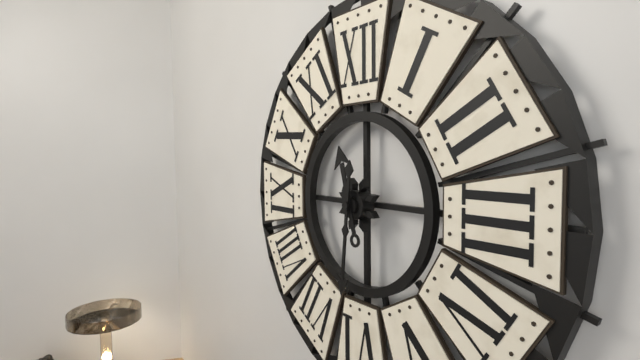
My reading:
**11:31**
